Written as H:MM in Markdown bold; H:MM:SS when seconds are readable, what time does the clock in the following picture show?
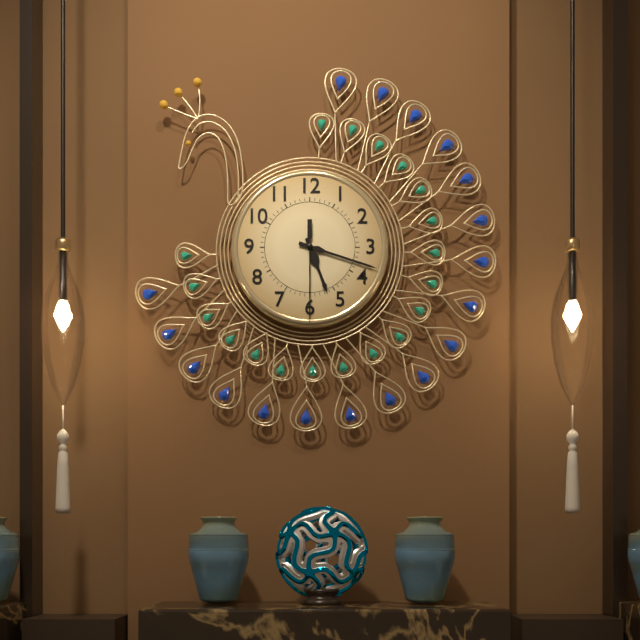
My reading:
**5:18:30**
